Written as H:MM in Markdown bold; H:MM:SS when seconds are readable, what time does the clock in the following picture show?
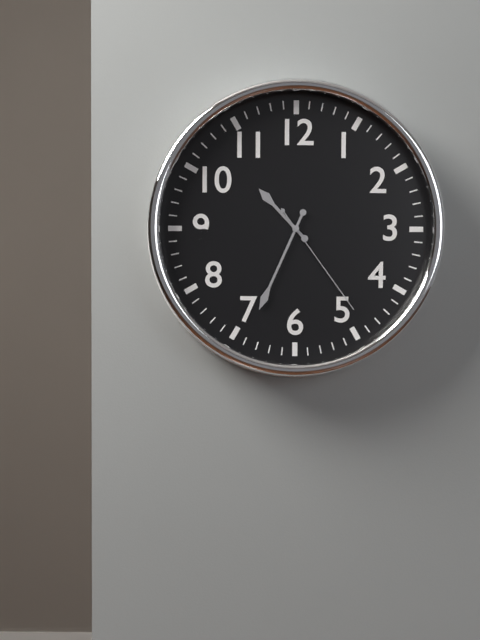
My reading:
**10:34:24**
